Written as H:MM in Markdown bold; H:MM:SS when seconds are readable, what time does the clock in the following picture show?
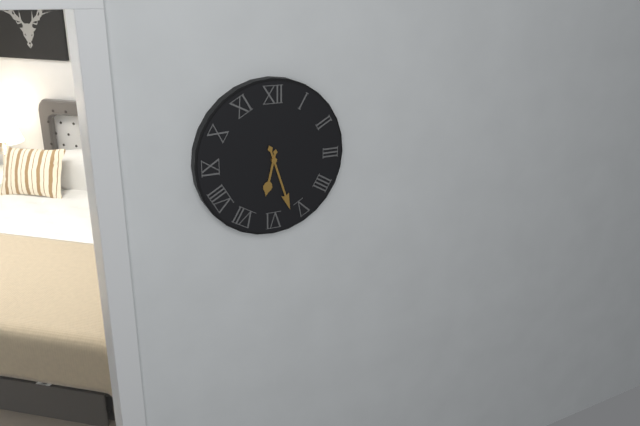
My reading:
**6:27**
